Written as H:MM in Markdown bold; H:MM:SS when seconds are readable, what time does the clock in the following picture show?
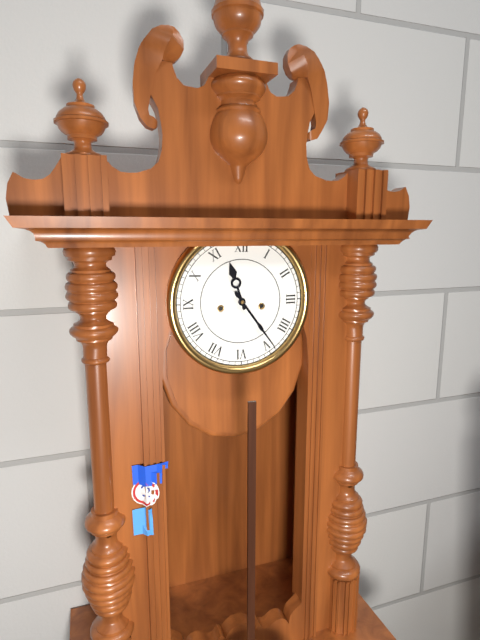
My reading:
**11:24**
